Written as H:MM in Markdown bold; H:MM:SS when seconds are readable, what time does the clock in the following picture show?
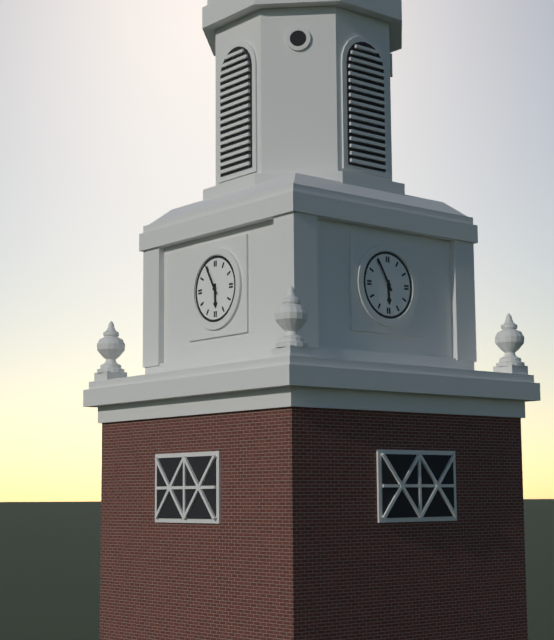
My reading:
**5:55**
